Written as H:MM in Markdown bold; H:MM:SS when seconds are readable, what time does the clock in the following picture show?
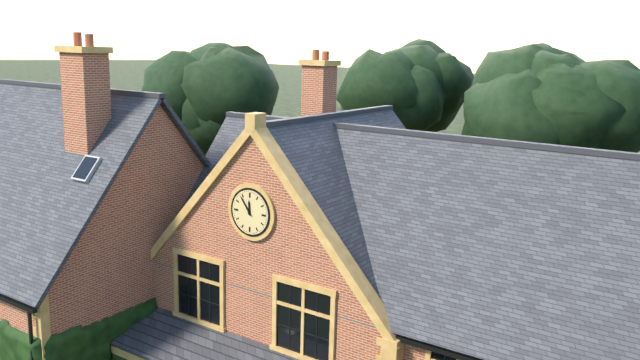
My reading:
**11:54**
